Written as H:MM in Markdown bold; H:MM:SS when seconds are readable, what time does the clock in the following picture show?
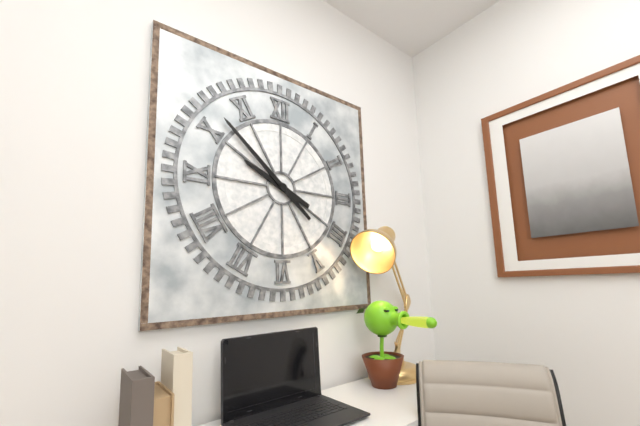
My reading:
**9:52**
